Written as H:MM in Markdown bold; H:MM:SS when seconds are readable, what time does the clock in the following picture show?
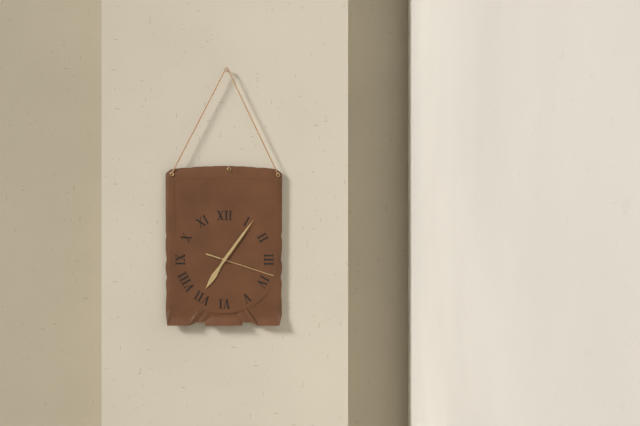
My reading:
**7:06:18**
